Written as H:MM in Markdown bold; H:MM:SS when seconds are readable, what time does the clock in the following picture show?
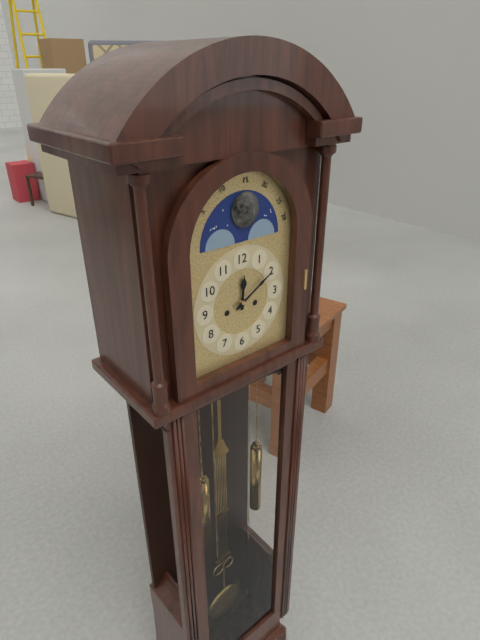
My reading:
**12:10**
